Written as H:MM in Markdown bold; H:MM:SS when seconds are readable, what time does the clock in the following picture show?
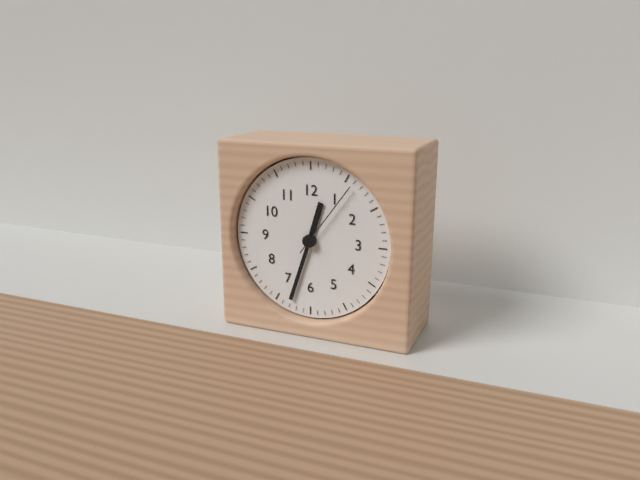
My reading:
**12:33:06**
